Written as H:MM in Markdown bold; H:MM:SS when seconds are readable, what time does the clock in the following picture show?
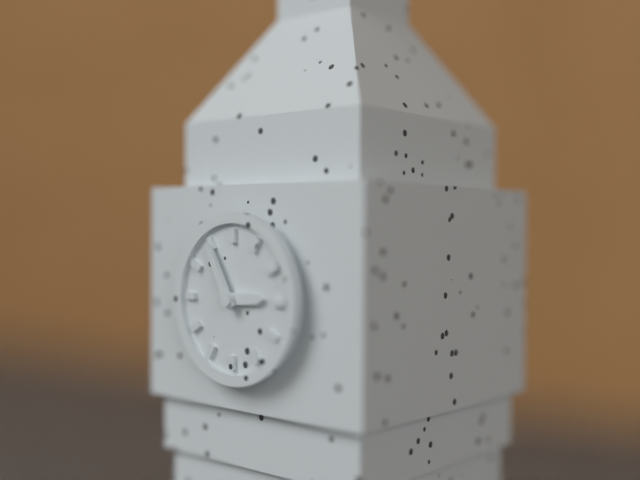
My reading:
**2:55**
